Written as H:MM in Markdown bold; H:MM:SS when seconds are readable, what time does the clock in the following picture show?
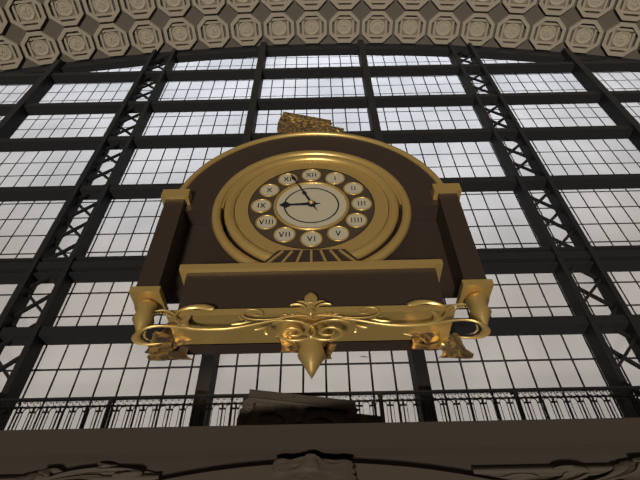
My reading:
**8:56**
